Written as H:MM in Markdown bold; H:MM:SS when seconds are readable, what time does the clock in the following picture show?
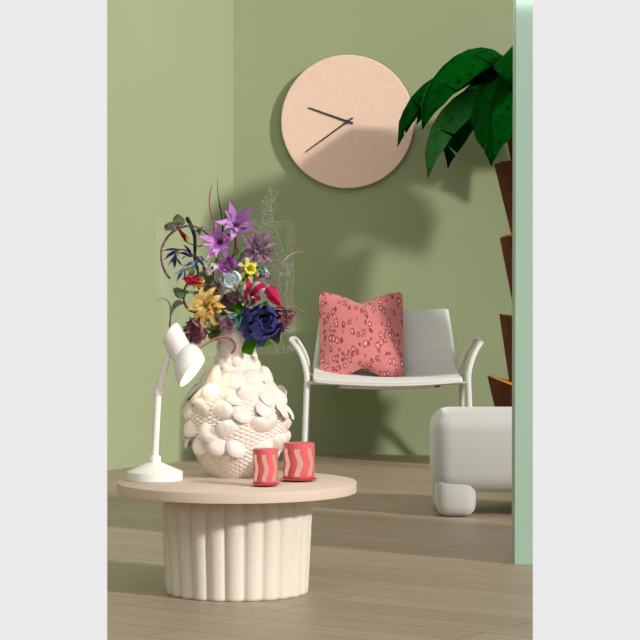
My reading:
**9:39**
